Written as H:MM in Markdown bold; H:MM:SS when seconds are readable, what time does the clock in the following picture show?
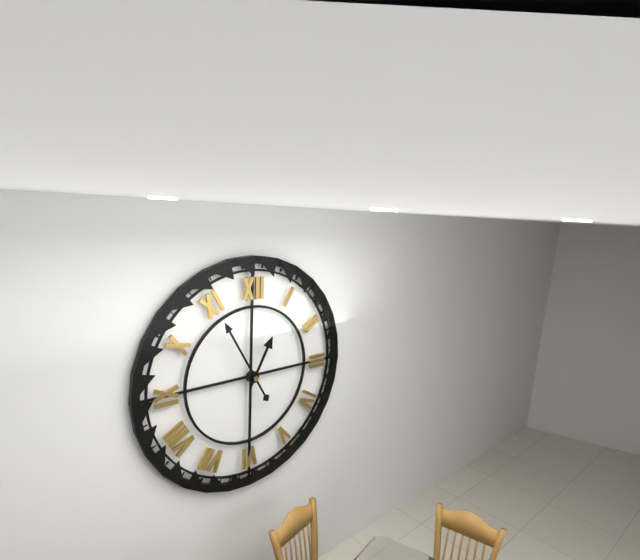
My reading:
**12:55**
